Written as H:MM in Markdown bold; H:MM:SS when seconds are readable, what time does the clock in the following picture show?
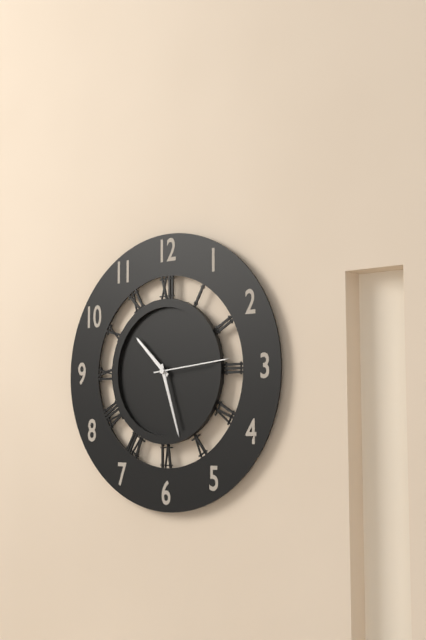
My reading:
**10:27:14**
